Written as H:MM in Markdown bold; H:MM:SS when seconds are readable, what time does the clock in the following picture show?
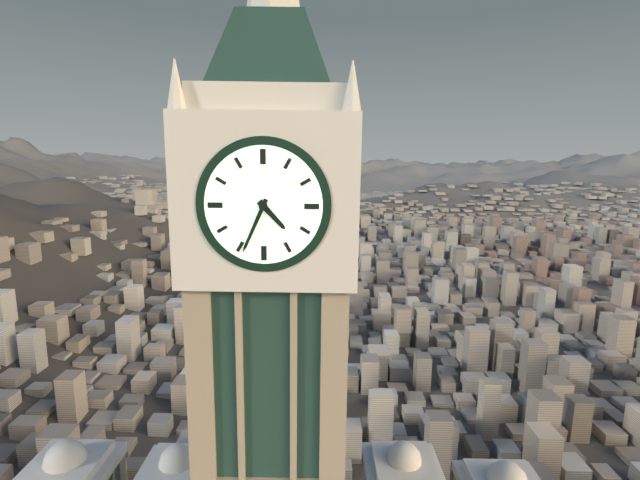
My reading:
**4:34**
